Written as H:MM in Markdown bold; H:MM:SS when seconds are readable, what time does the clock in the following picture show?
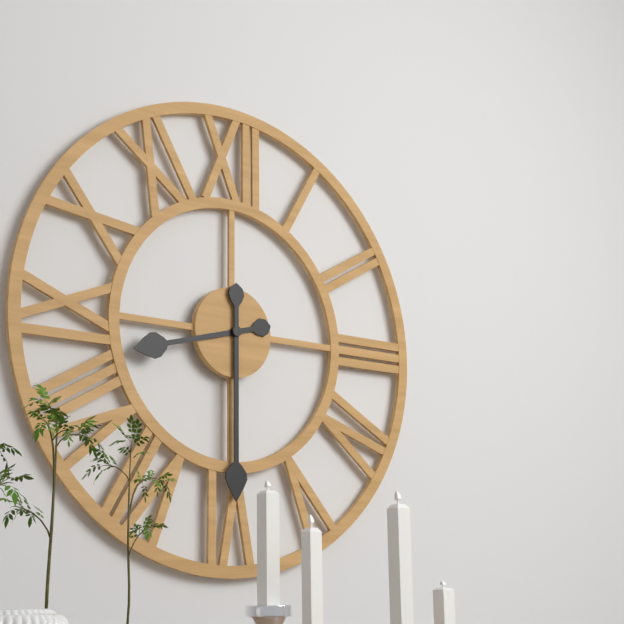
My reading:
**8:30**
